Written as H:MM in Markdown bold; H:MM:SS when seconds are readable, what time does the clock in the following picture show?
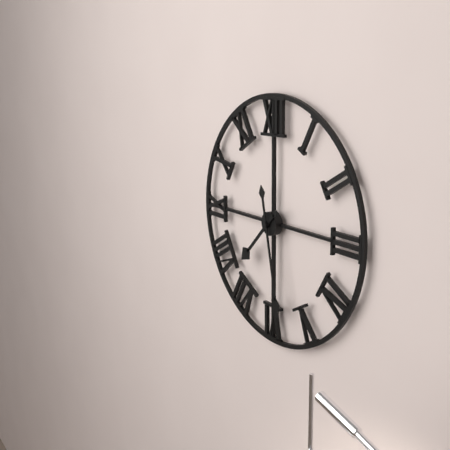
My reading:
**7:28**
